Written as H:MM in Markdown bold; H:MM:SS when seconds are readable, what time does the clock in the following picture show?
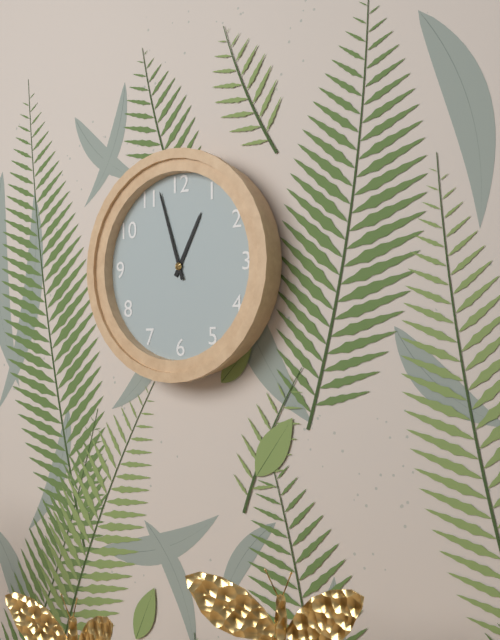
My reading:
**12:57**
